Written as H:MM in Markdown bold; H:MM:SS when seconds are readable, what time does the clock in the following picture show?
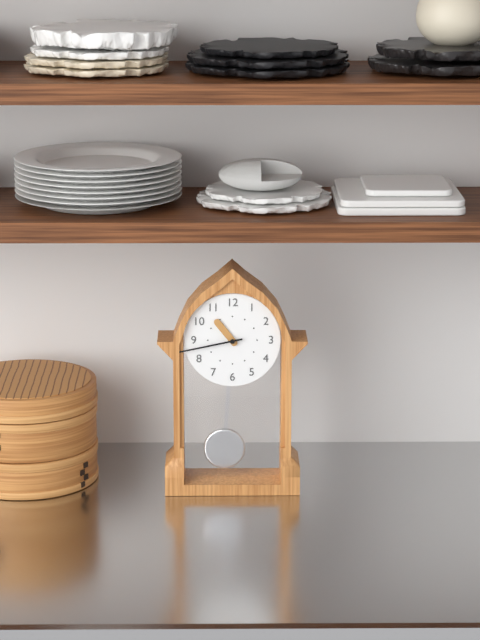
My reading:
**10:43**
